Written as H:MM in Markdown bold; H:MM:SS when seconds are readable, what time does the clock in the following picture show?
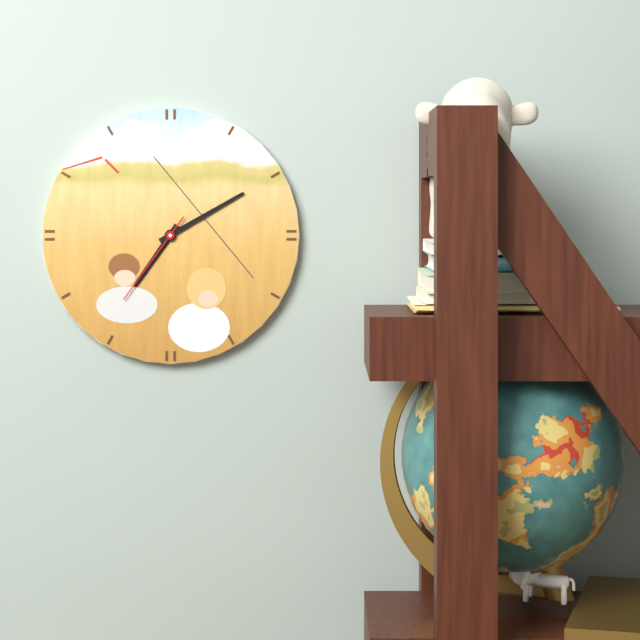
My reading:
**7:10:36**
